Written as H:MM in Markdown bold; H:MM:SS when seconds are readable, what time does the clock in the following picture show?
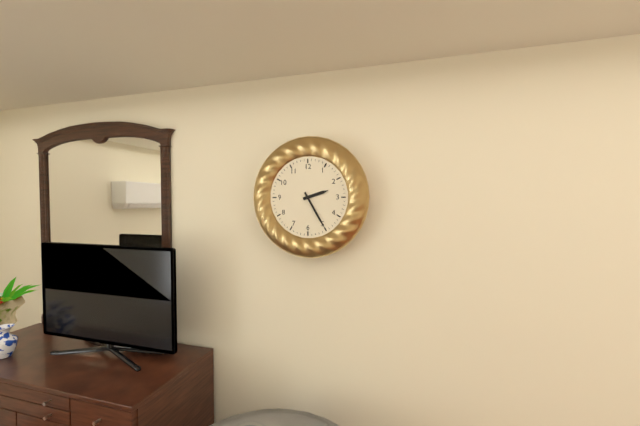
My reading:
**2:25**
